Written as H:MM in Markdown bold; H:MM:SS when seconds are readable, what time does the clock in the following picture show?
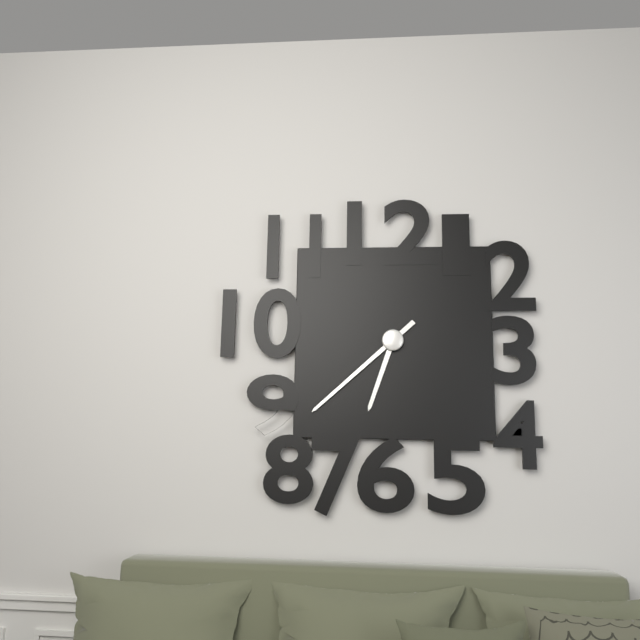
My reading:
**6:38**
